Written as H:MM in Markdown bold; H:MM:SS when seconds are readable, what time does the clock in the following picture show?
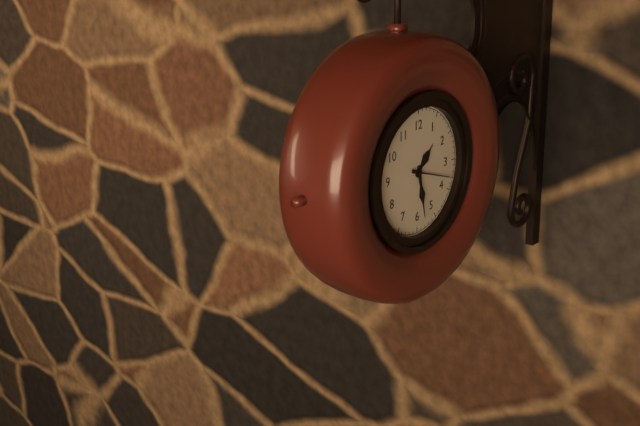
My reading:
**1:28:18**
